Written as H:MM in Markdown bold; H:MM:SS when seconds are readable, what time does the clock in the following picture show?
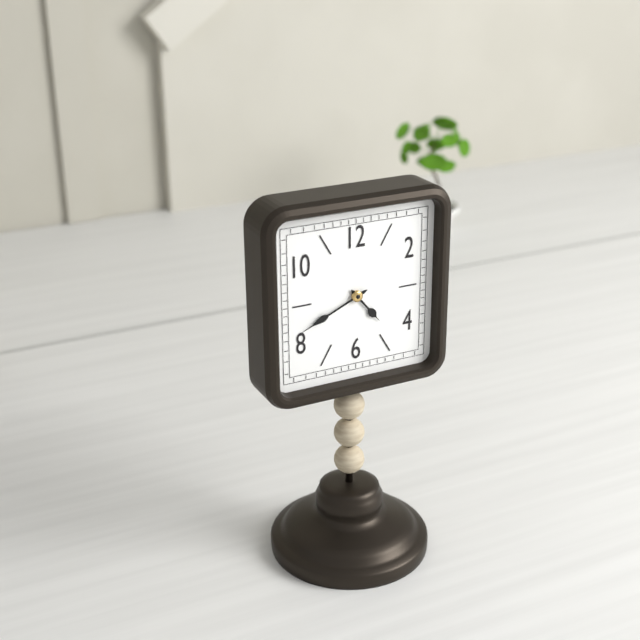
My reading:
**4:41**
